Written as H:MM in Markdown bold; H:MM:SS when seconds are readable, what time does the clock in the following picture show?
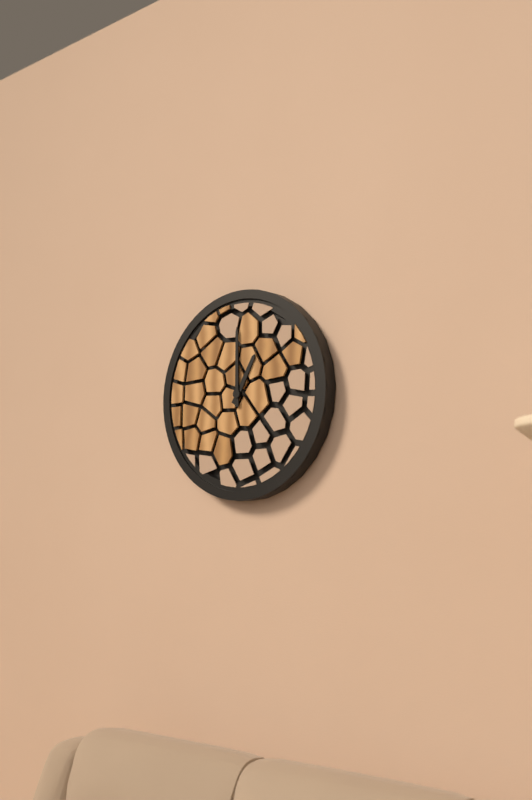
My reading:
**1:00**
